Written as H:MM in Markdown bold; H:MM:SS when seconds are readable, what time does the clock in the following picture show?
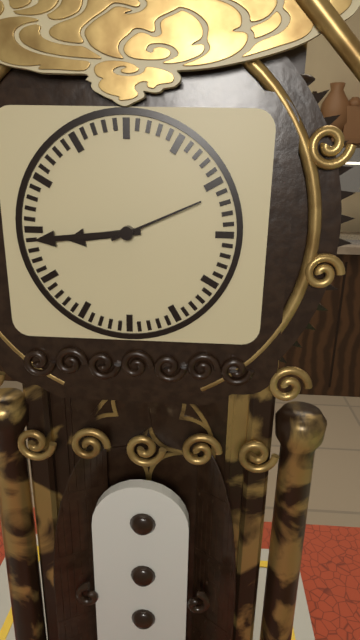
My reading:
**8:44:11**
